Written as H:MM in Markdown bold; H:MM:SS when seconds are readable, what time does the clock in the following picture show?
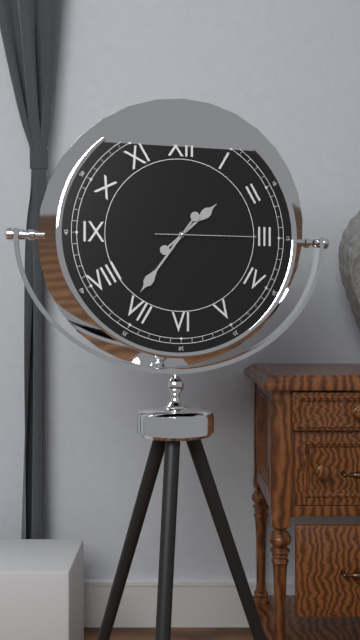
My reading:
**1:36:15**
